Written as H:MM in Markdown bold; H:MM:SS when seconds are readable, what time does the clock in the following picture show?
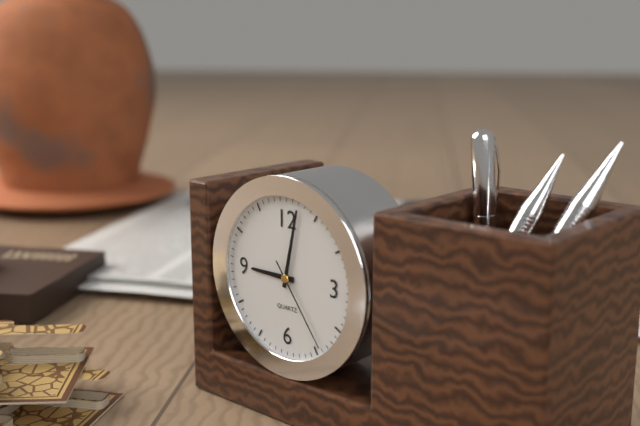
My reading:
**9:02:24**
